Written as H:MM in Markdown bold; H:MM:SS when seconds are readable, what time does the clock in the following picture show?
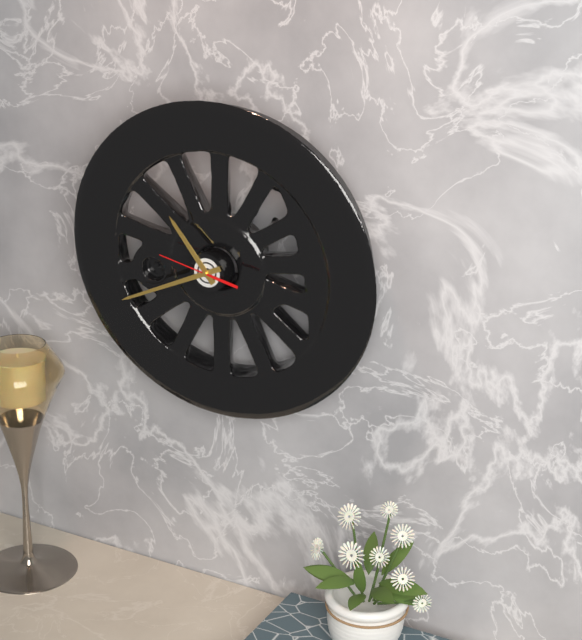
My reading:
**10:41:47**
